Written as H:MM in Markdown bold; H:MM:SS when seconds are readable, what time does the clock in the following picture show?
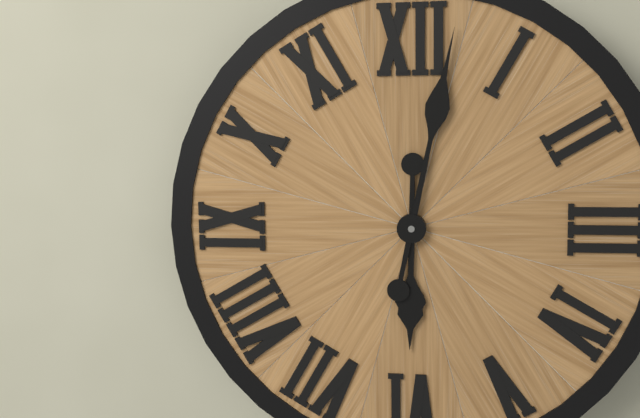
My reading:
**6:02**
